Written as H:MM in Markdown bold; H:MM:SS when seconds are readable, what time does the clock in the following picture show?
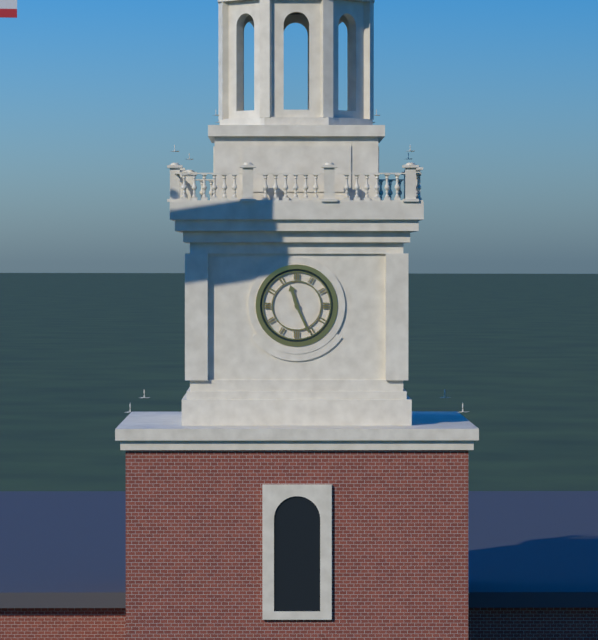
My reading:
**11:26**
